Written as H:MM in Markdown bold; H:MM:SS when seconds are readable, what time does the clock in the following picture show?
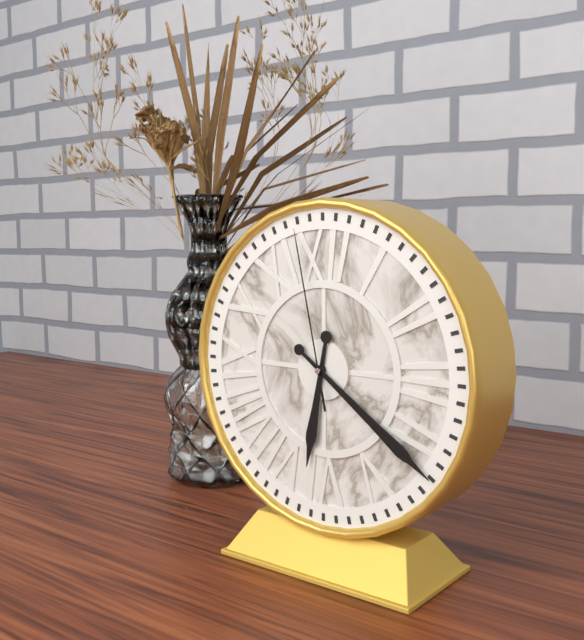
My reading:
**6:21:58**
